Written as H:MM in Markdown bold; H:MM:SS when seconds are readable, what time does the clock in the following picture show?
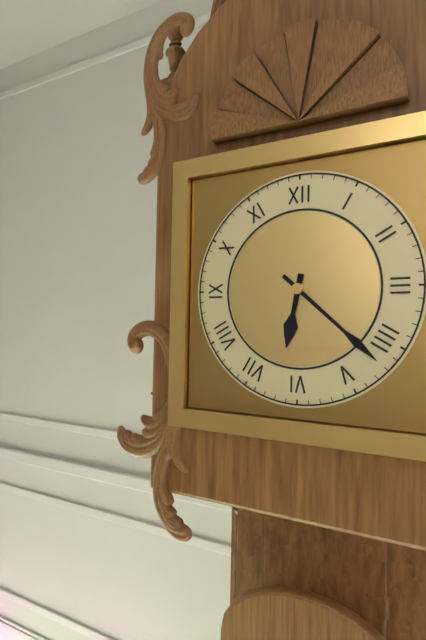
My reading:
**6:22**
